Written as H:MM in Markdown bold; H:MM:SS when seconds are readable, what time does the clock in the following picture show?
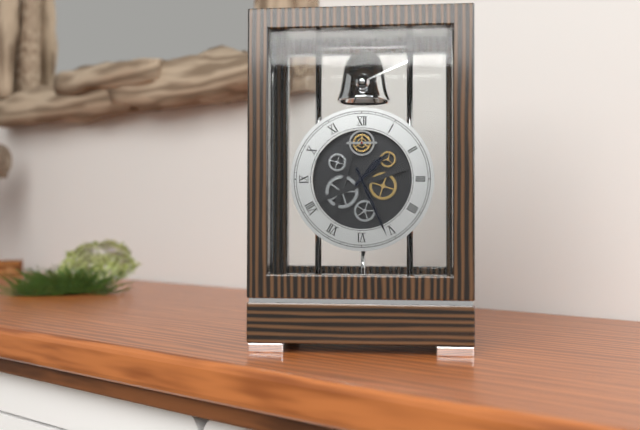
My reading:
**1:26**
